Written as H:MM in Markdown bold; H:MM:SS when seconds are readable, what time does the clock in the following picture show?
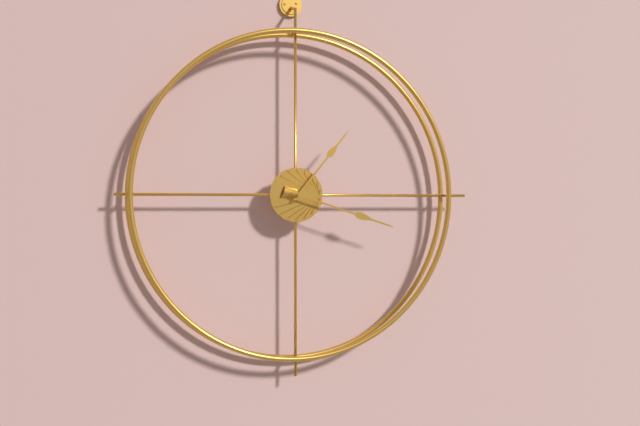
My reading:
**1:18**
